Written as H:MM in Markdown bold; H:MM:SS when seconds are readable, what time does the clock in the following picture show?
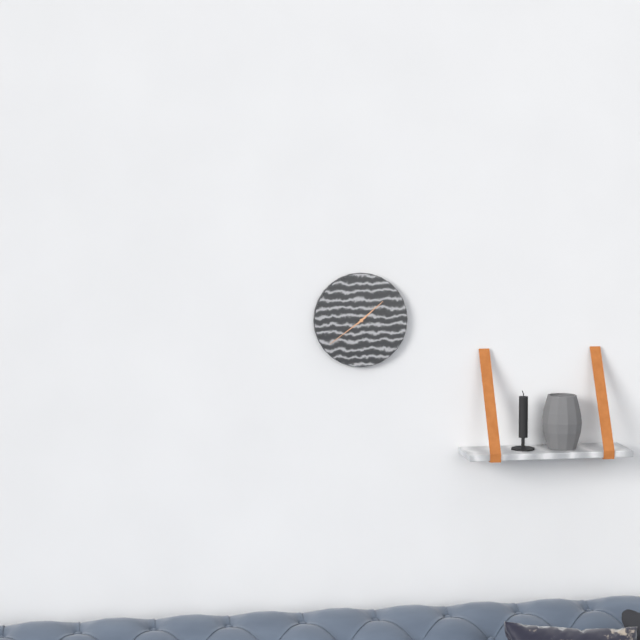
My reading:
**1:39**
